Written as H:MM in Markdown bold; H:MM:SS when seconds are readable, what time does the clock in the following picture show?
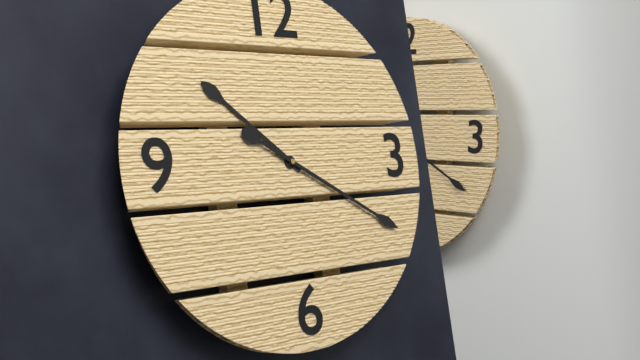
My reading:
**10:20**
